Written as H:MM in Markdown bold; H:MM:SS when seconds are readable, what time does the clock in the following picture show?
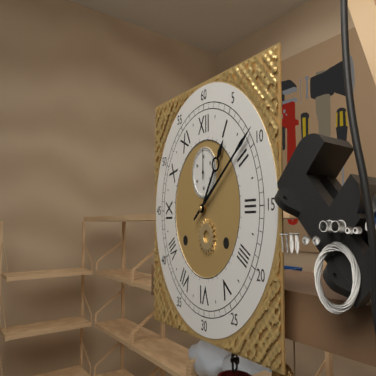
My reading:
**1:09**
